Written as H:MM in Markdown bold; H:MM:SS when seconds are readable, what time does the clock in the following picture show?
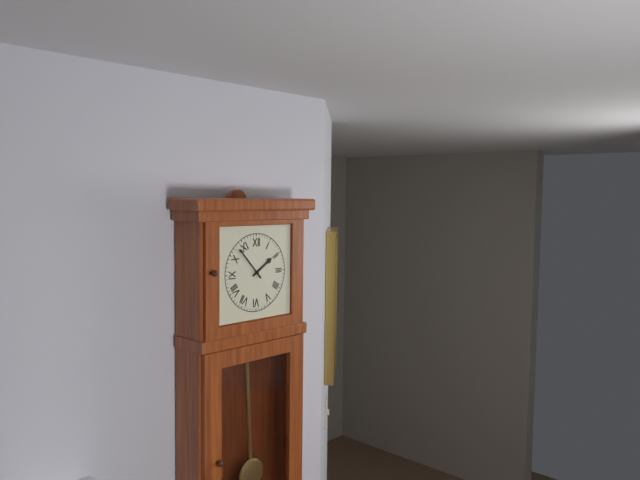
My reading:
**1:53**
